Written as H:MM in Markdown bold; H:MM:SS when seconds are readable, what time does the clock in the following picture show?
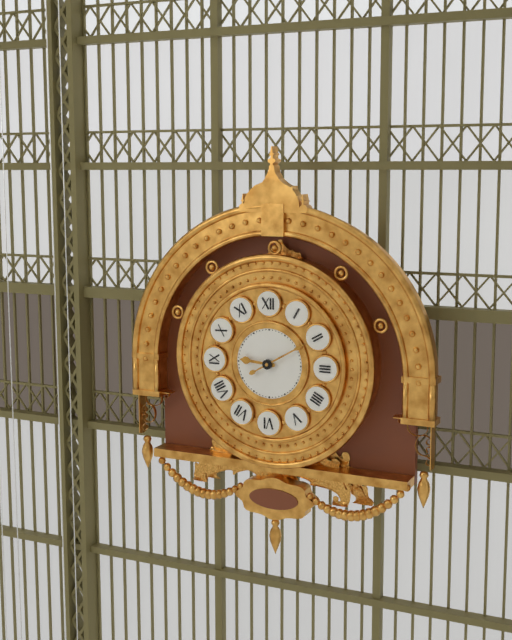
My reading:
**9:10**
